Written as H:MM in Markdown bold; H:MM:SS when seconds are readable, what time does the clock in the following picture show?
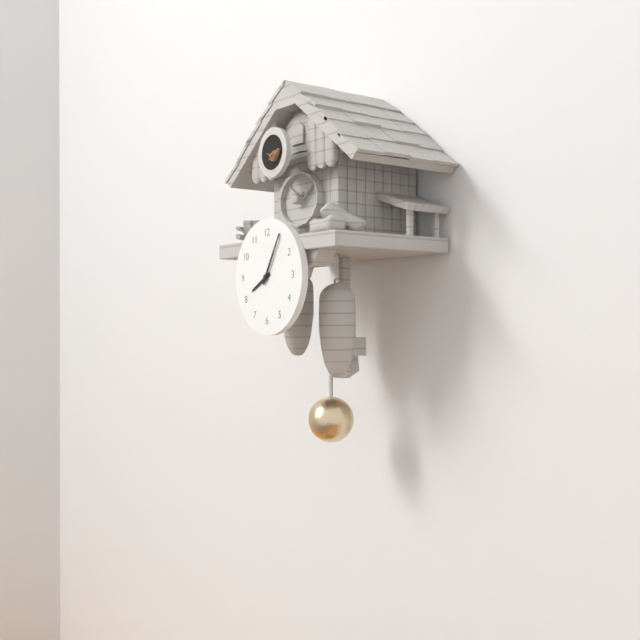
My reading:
**8:05**
